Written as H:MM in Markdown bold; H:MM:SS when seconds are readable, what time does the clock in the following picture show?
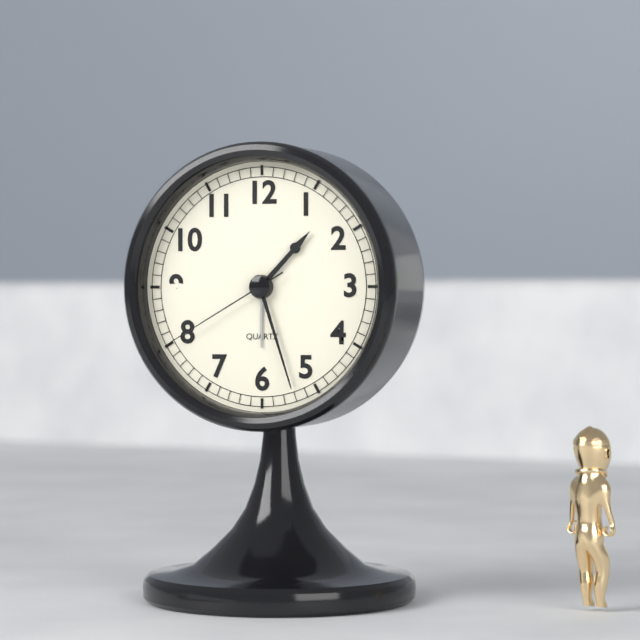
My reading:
**1:27:40**
